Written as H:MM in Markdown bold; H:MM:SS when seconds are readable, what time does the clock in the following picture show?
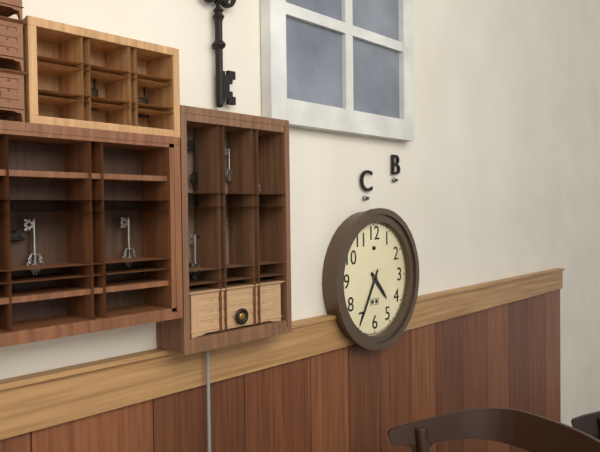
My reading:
**4:35**
